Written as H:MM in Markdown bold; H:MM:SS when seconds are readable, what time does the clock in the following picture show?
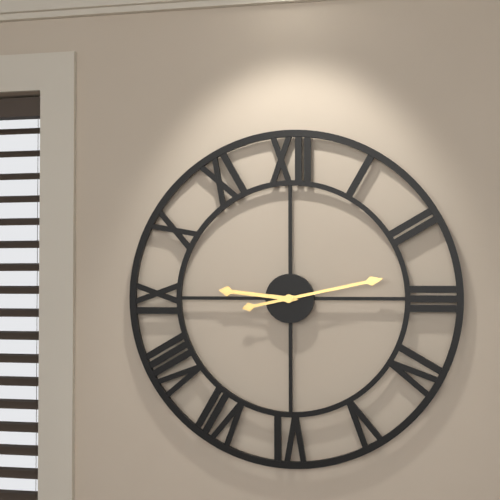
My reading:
**9:13**
